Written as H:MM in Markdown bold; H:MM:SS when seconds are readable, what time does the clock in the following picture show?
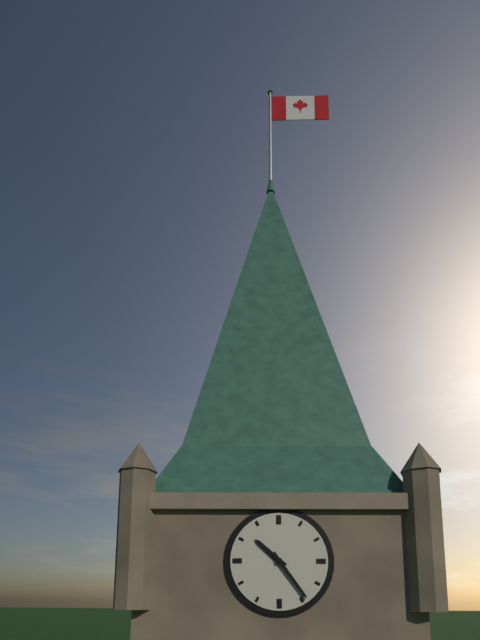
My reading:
**10:24**
